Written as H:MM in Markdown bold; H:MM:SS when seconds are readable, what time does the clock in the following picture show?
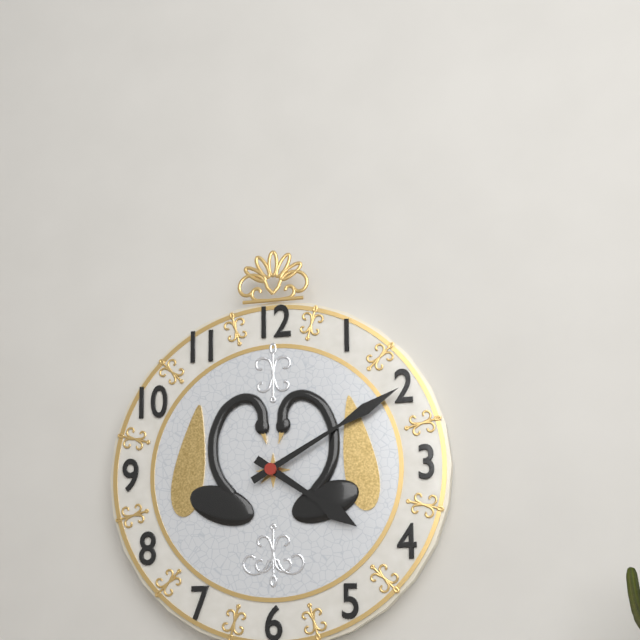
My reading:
**4:10**
